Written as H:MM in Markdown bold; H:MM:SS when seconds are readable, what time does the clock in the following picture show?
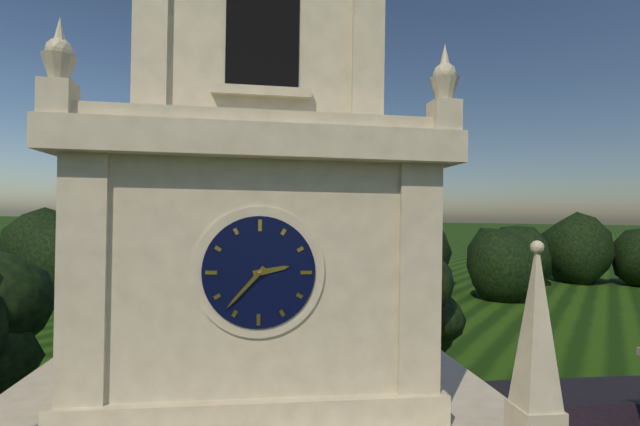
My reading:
**2:37**
